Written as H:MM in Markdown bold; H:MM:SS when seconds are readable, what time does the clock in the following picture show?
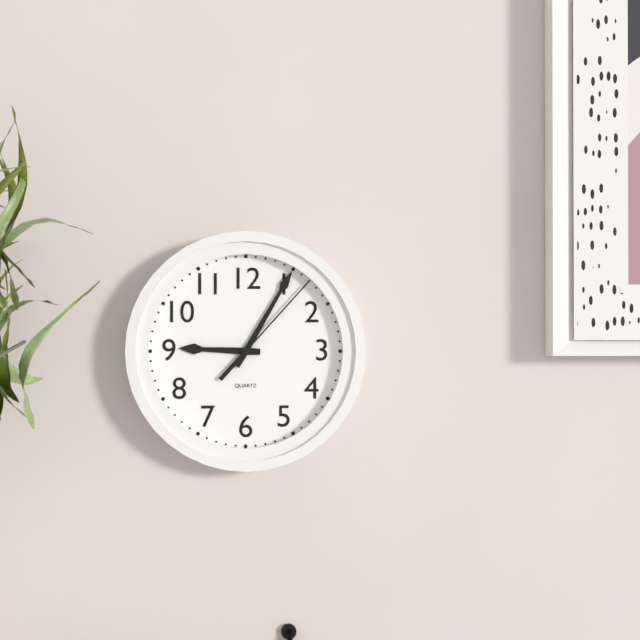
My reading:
**9:05:07**
